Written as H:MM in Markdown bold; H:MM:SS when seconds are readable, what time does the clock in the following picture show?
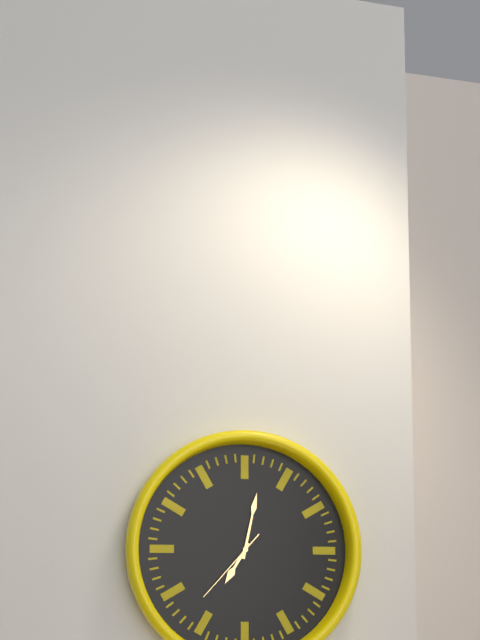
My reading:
**7:02:37**
